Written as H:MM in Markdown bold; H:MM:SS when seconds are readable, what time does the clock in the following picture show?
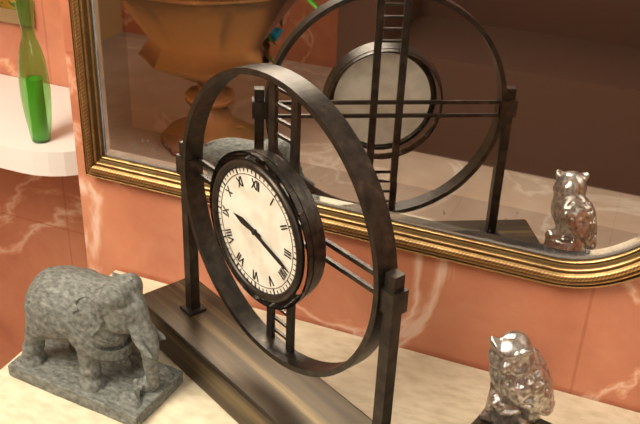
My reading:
**9:18**
